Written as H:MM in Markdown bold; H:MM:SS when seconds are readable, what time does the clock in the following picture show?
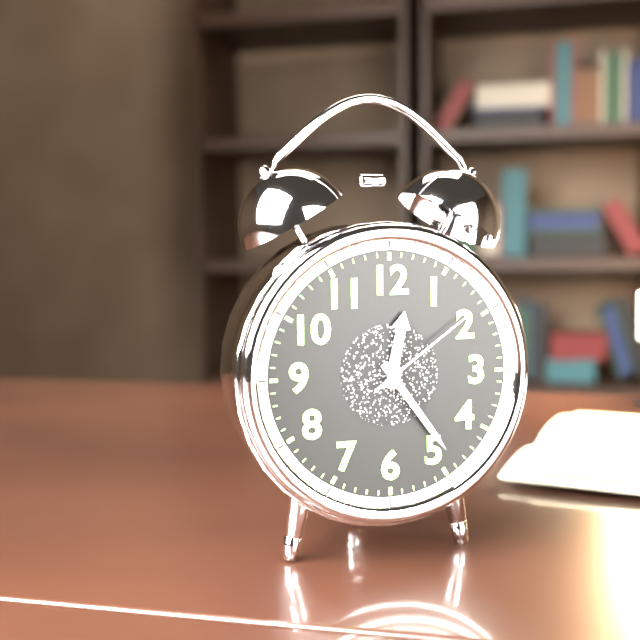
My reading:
**12:24:09**
